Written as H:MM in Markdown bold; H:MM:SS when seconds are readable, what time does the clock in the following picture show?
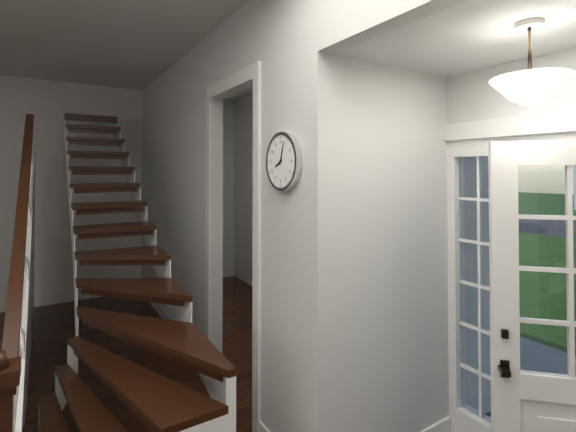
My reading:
**8:03**
